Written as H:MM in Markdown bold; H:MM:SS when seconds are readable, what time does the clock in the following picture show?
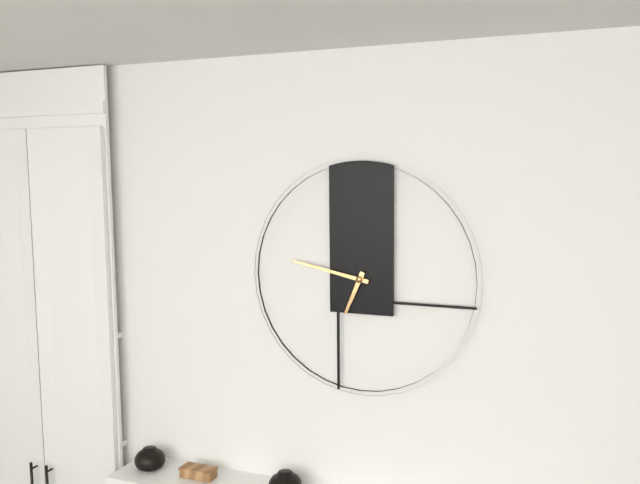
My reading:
**6:47**
